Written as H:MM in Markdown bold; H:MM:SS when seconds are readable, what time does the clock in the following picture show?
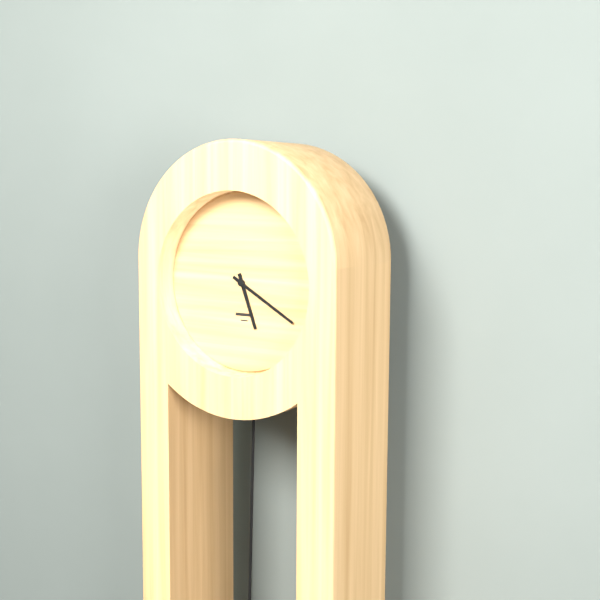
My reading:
**5:20**
